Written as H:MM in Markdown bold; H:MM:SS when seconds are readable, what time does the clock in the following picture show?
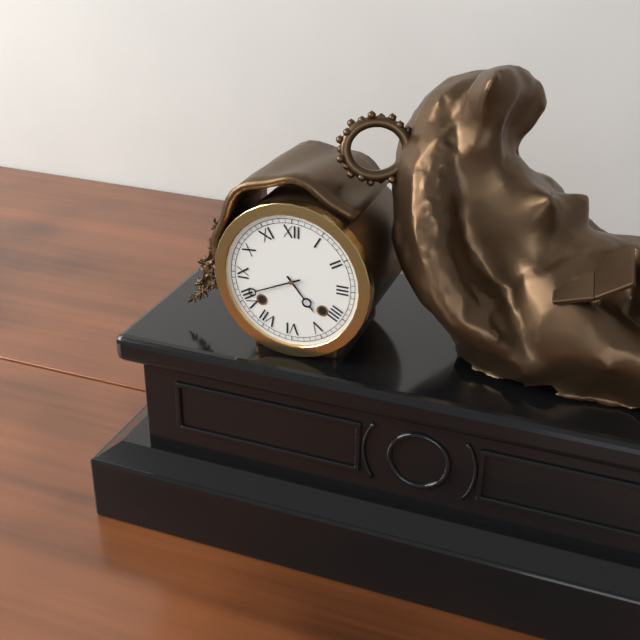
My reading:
**4:41**
